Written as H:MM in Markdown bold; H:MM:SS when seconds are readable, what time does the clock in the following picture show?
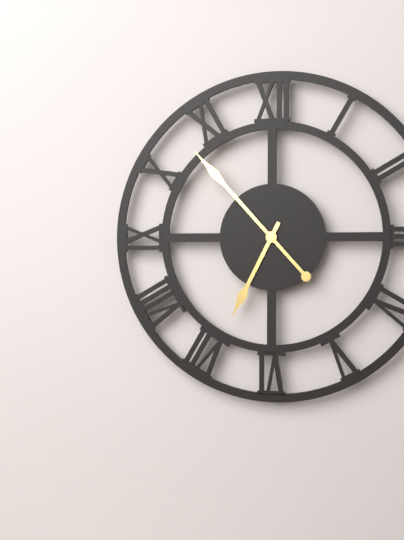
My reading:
**6:53**
